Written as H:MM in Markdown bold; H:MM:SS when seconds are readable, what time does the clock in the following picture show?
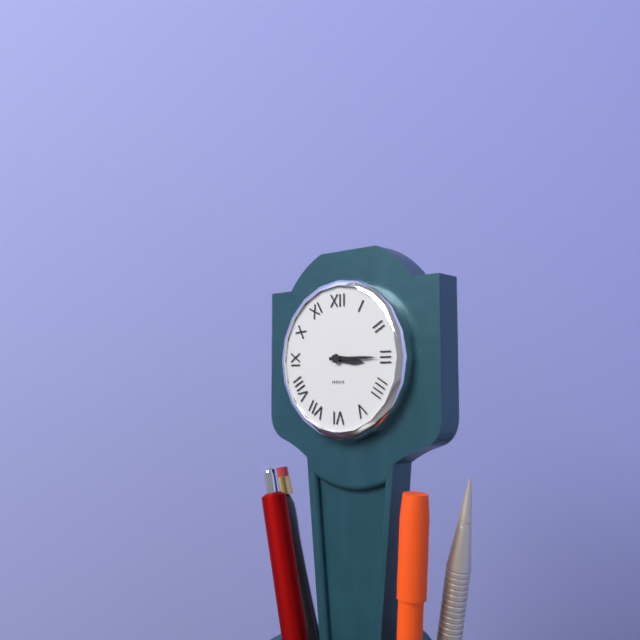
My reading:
**3:15**
